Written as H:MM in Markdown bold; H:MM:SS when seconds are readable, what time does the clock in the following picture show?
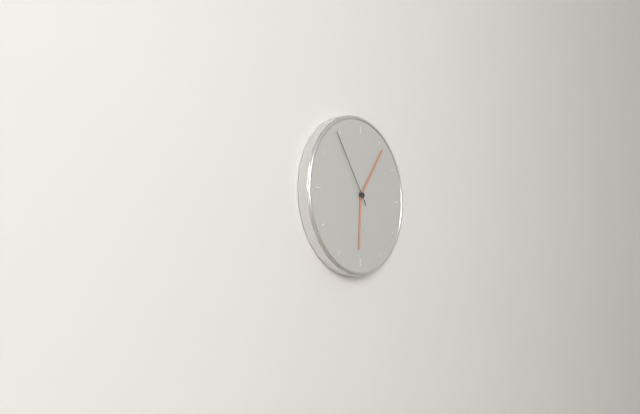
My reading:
**6:06:54**
